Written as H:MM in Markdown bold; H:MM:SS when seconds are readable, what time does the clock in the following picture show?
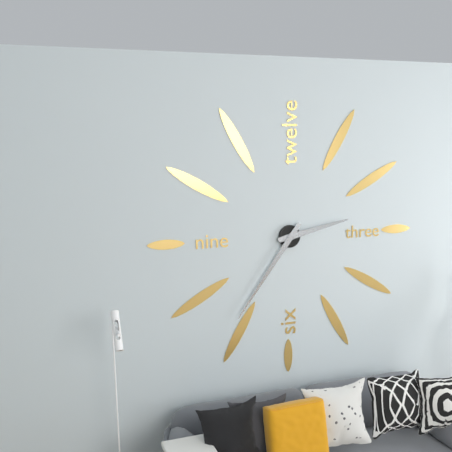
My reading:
**2:36**
